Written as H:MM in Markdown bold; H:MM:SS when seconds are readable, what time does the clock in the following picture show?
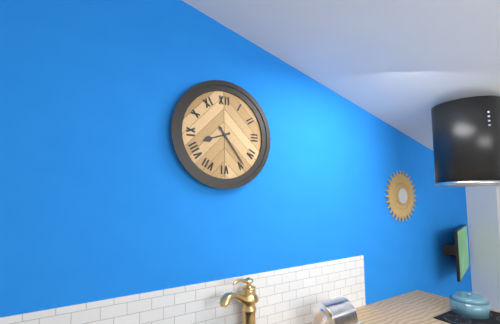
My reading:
**8:24**
